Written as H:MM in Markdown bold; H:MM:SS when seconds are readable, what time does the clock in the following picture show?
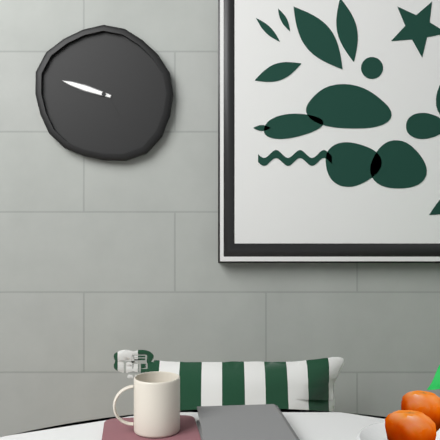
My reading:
**4:48**
